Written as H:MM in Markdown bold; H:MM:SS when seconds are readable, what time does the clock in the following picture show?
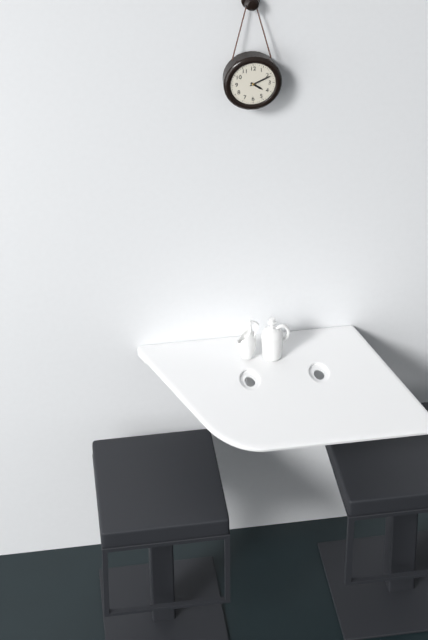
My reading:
**4:11**
